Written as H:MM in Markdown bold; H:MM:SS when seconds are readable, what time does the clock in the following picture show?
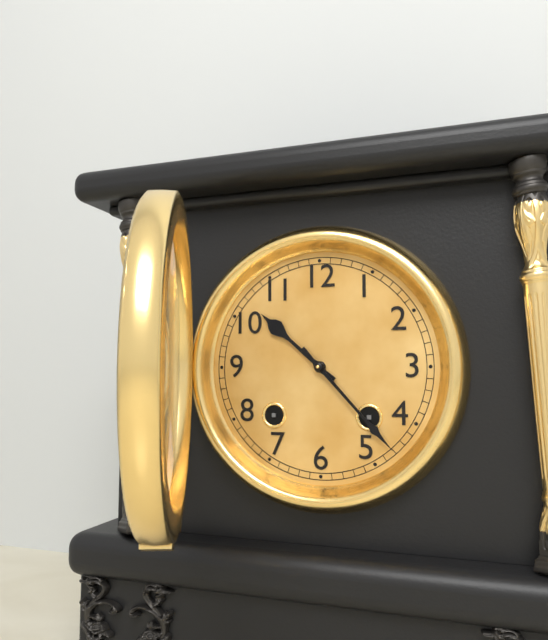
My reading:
**10:23**
